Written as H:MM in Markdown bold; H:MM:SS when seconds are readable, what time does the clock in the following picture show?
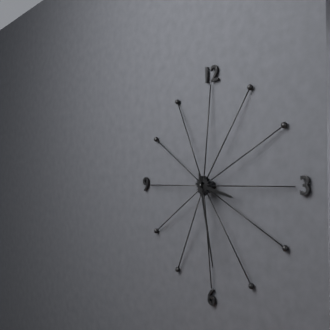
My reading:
**3:28**
